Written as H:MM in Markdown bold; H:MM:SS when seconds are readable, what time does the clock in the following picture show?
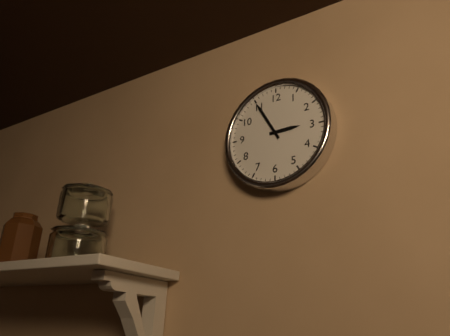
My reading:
**2:55**
